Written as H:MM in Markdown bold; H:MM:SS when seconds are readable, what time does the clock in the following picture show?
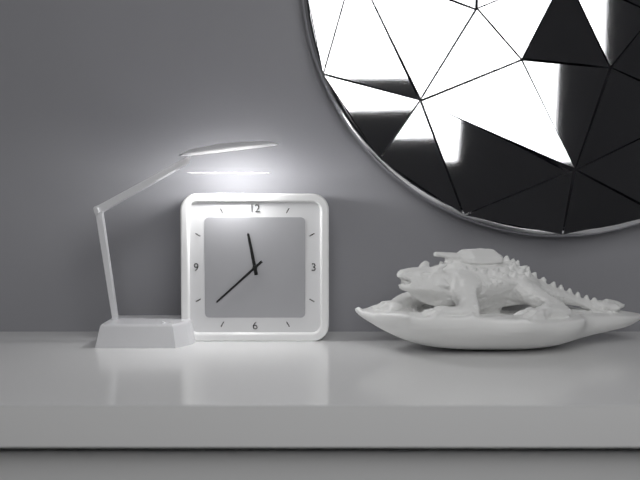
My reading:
**11:38**
